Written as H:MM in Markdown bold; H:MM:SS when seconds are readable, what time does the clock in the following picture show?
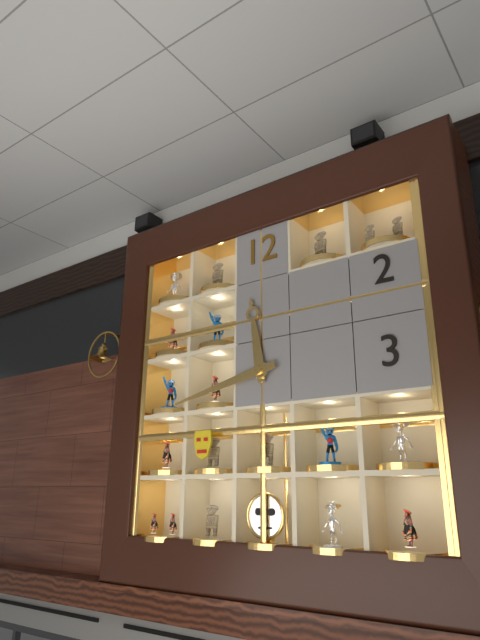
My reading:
**11:43**
